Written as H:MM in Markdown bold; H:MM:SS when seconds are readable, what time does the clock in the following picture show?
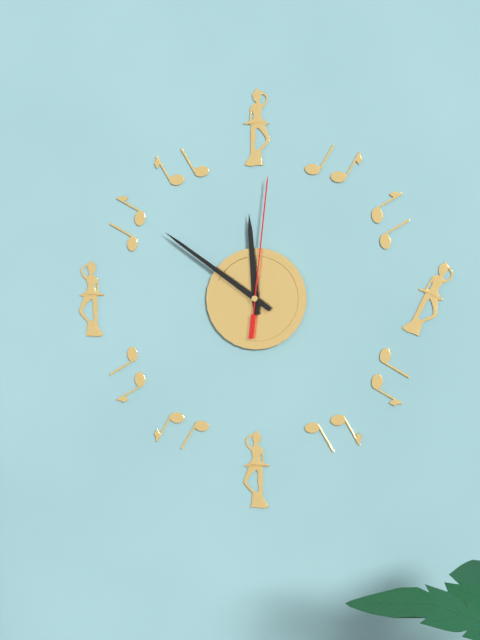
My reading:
**11:51:01**
